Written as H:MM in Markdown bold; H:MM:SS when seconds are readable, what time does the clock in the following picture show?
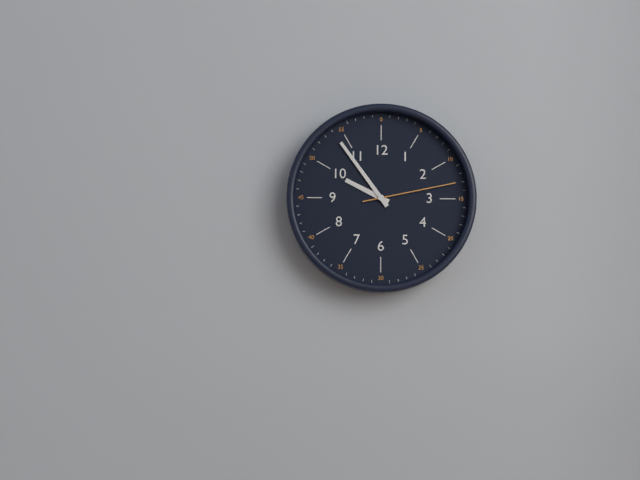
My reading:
**9:54:13**
